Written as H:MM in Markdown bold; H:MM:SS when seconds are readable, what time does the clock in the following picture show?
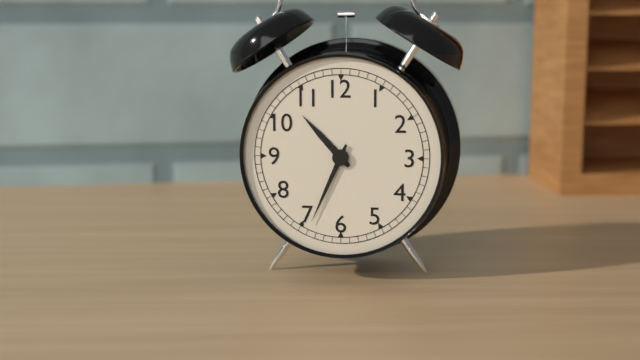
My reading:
**10:34**
